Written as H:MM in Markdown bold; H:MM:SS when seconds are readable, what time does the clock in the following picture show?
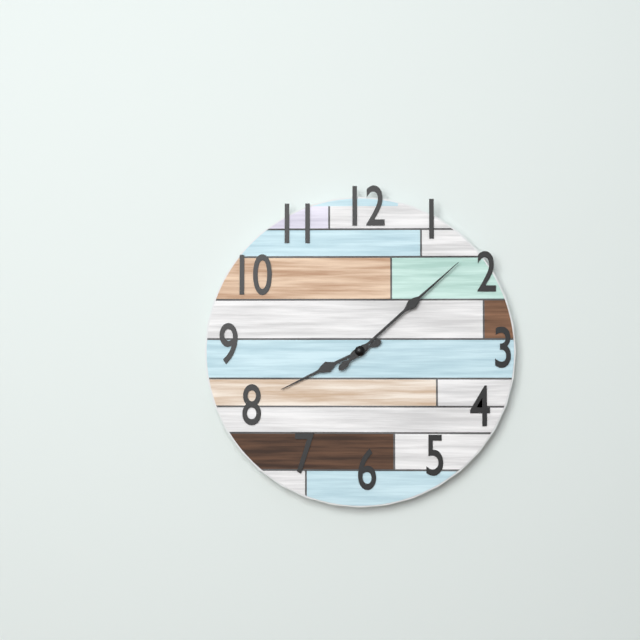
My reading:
**8:08**
